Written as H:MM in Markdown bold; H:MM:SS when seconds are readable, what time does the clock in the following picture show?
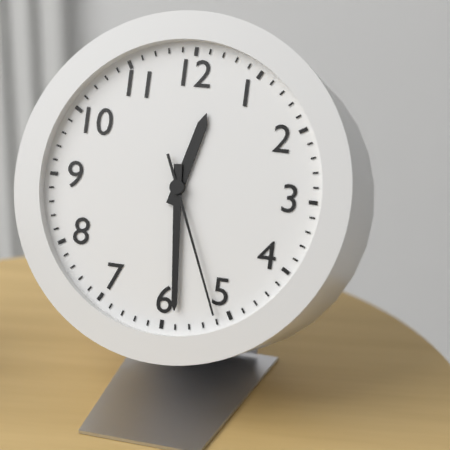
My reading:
**12:29:26**
